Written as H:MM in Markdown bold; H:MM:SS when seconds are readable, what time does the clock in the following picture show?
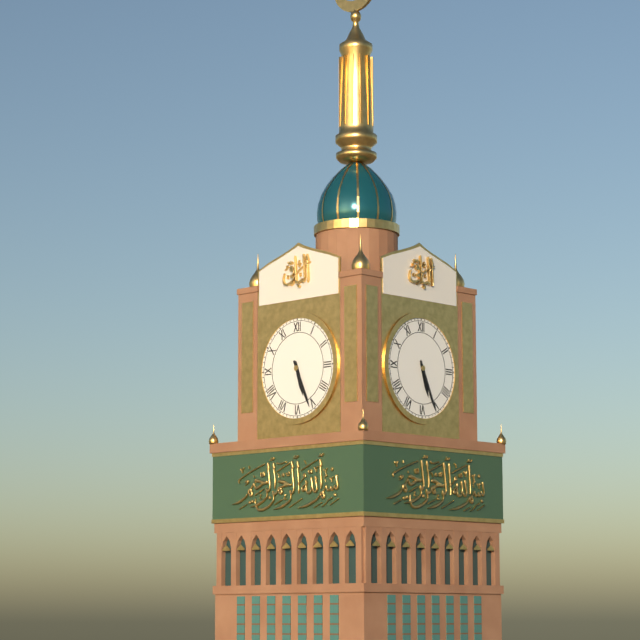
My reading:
**5:26**
